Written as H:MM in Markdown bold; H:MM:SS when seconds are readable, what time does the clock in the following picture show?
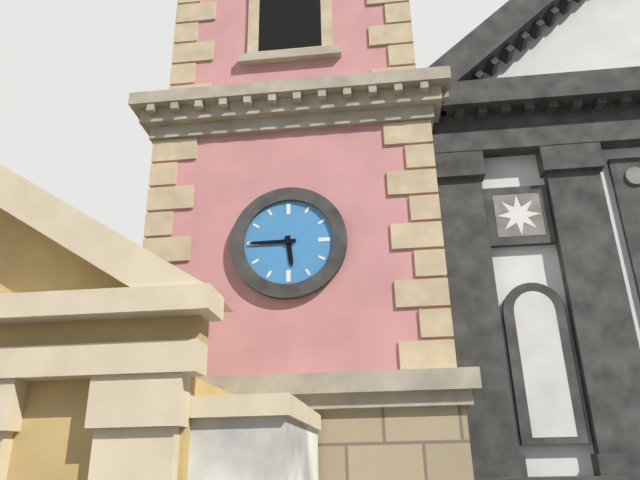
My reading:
**5:45**
